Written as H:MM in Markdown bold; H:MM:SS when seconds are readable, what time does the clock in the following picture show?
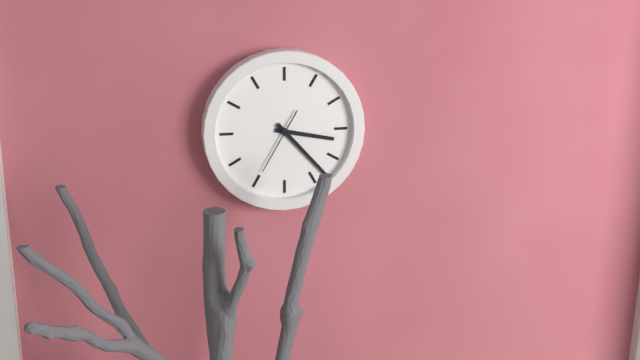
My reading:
**3:23:35**
